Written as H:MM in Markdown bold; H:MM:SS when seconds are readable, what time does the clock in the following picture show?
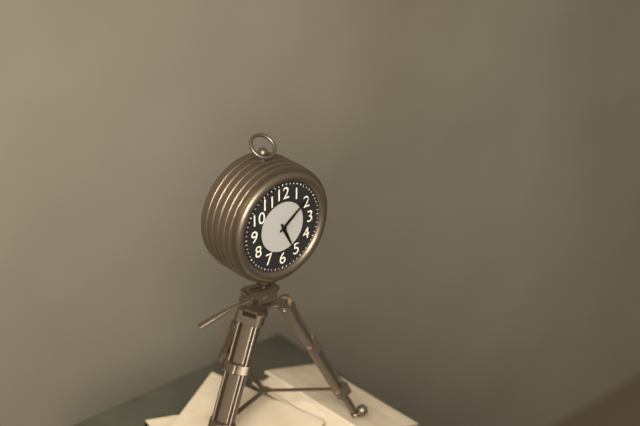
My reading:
**5:09**
